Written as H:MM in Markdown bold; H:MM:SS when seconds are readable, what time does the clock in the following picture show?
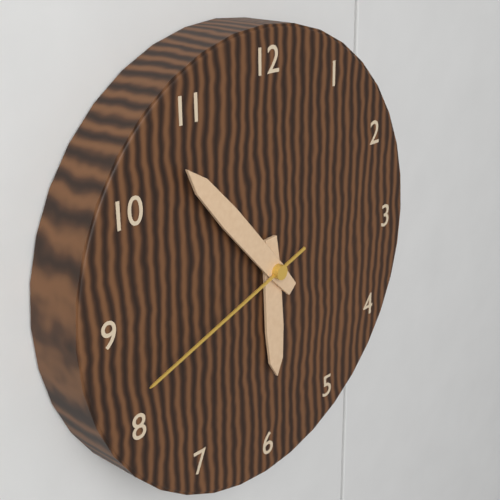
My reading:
**5:53:42**
